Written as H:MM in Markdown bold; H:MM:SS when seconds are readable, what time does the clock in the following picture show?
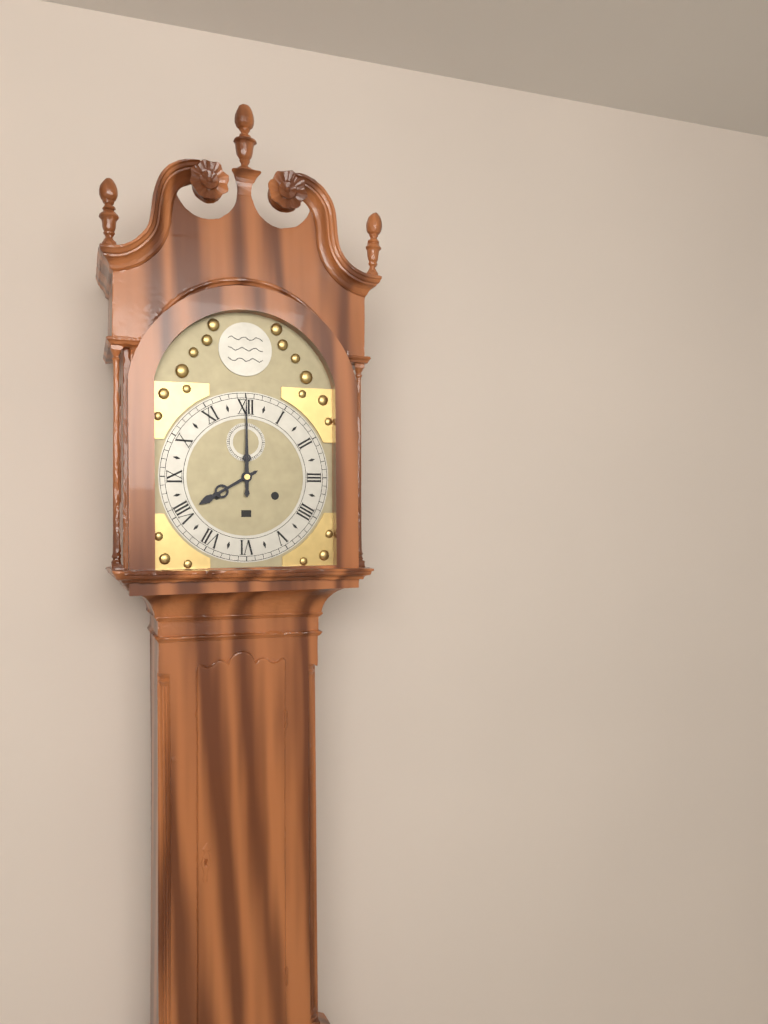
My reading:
**8:00**
